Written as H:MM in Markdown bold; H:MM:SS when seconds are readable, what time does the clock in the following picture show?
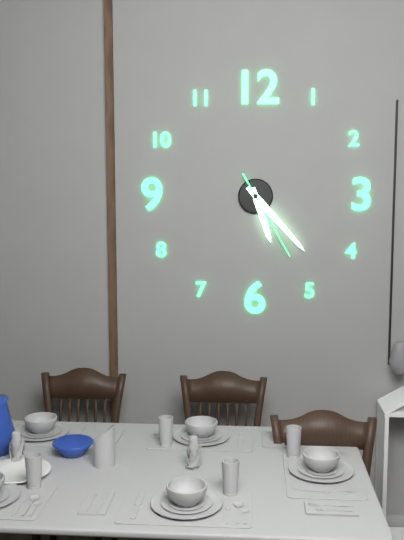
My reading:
**5:23:25**
